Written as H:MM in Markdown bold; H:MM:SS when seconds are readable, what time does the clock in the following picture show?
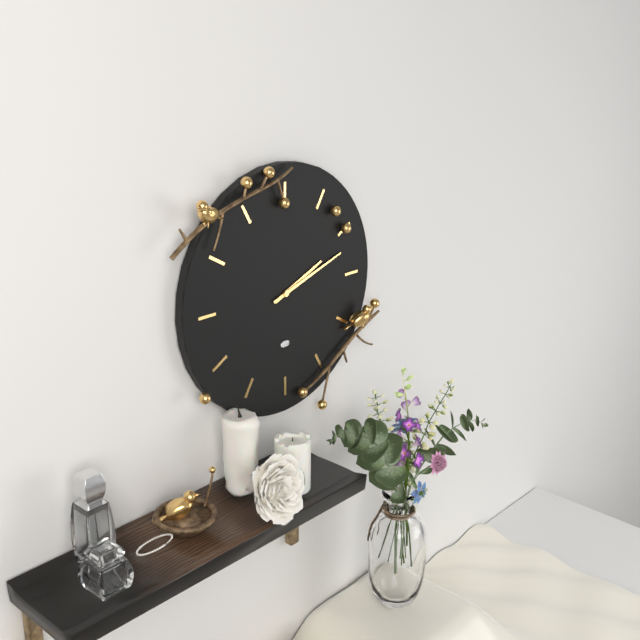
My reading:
**2:12**
